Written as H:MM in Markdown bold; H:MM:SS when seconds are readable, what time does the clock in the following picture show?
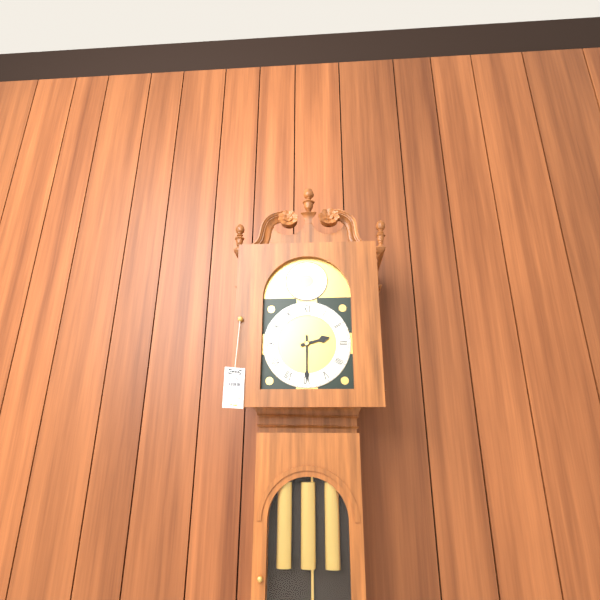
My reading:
**2:30**
